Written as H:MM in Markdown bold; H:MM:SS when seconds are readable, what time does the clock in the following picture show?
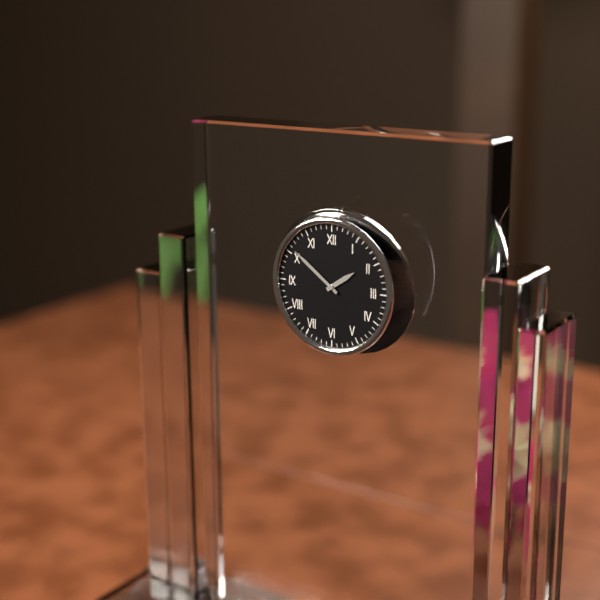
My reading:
**1:51**
